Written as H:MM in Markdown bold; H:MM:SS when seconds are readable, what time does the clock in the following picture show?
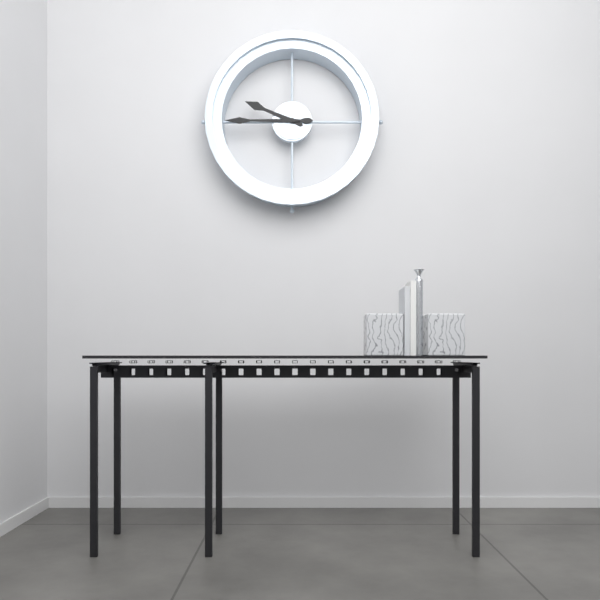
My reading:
**9:45**
